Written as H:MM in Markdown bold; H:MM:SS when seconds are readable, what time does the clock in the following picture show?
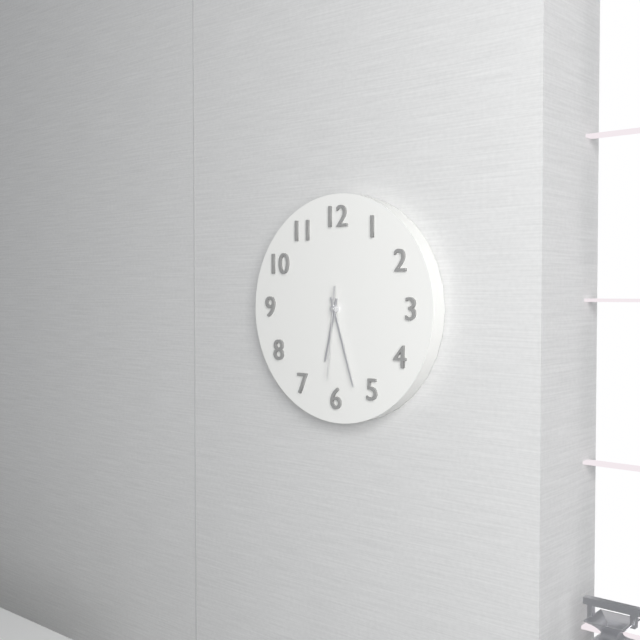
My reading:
**6:27:31**
